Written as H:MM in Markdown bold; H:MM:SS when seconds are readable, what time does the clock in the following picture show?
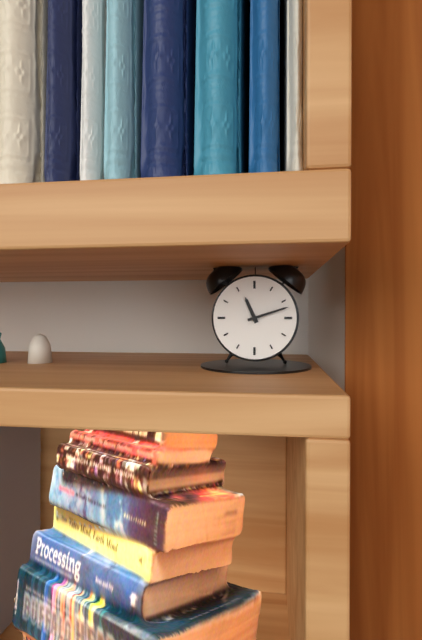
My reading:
**11:12**
